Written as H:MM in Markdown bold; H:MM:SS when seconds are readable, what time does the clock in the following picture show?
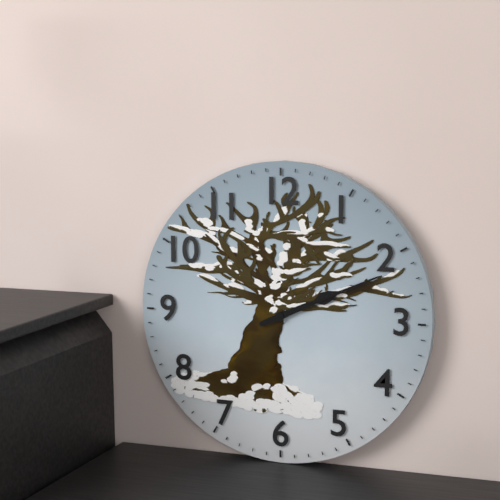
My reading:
**2:11**
